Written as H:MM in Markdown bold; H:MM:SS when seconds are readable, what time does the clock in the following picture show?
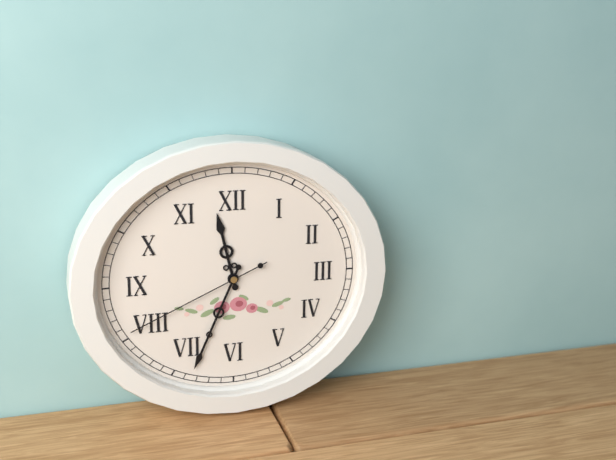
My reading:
**11:34:41**
